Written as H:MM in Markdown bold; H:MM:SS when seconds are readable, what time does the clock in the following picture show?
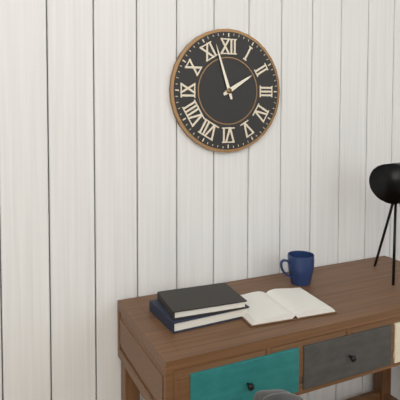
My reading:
**1:57**
